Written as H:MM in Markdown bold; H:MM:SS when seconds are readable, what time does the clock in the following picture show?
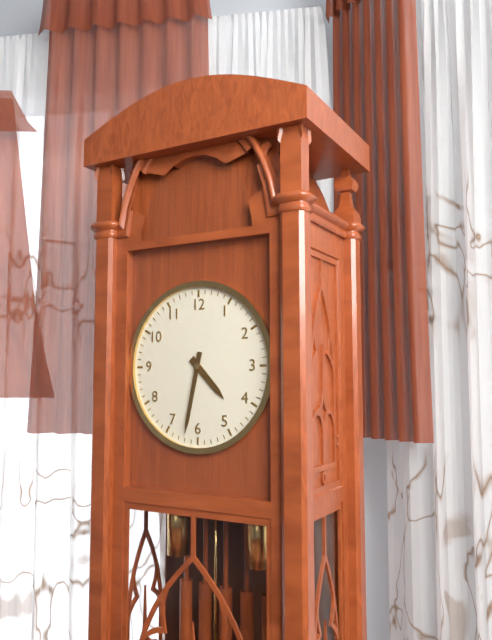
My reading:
**4:32**
